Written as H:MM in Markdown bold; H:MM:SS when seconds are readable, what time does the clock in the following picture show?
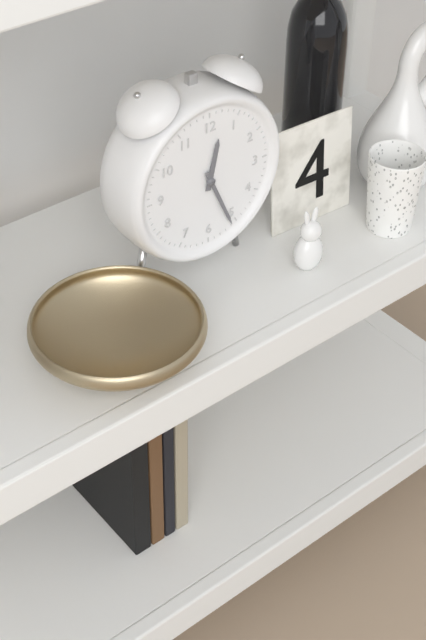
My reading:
**12:26**
